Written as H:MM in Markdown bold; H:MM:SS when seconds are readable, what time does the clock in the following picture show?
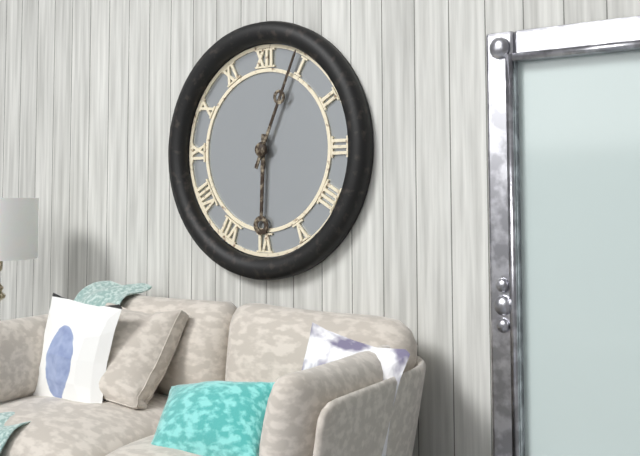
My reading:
**6:04**
